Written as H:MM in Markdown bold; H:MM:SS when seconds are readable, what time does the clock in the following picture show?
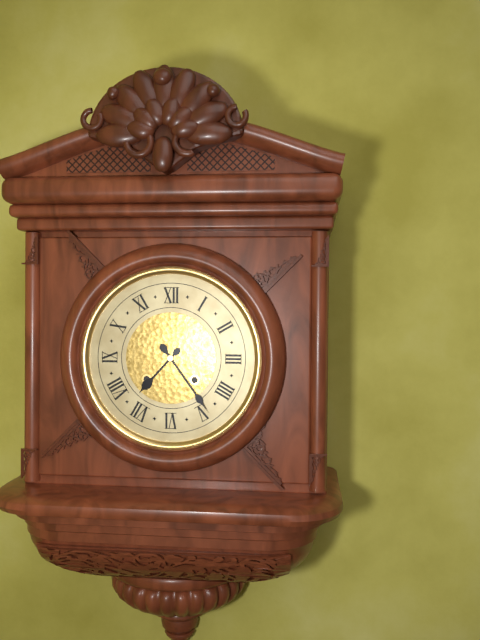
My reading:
**7:24**
